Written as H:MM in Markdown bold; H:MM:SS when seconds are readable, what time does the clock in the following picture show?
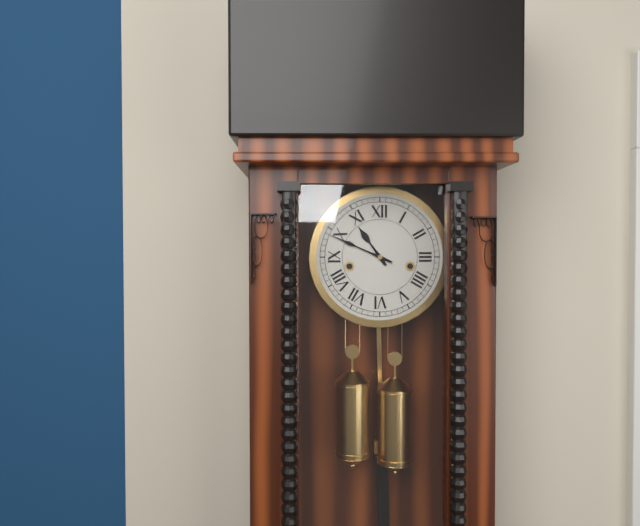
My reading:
**10:49**
